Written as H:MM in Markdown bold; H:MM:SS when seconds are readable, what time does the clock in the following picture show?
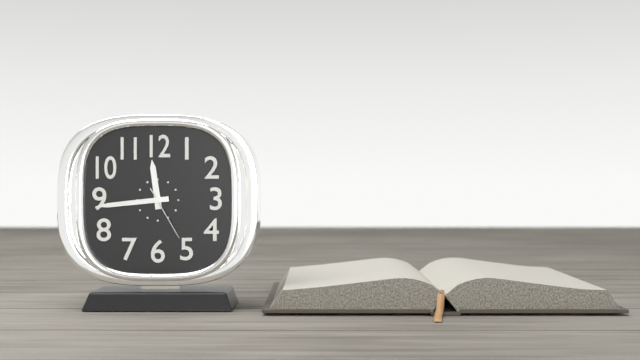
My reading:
**11:44:25**
